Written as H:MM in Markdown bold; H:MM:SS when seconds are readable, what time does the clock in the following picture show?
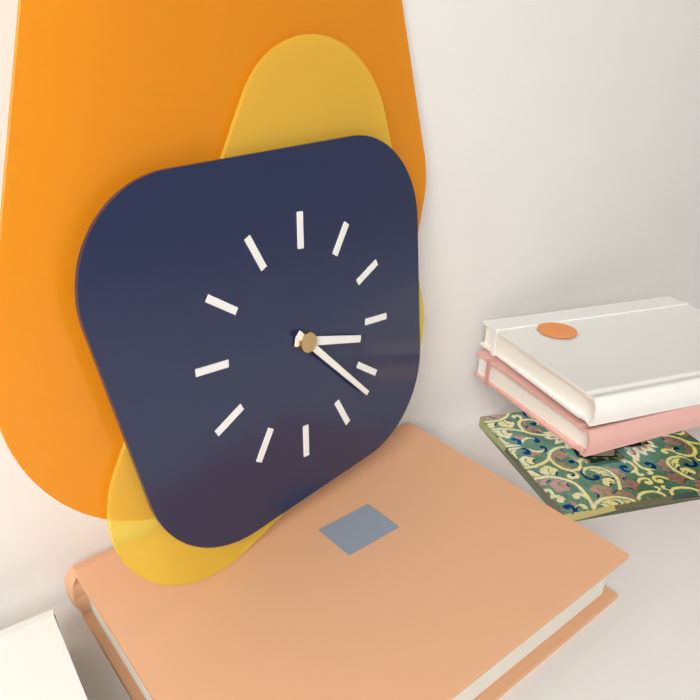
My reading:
**3:22**
